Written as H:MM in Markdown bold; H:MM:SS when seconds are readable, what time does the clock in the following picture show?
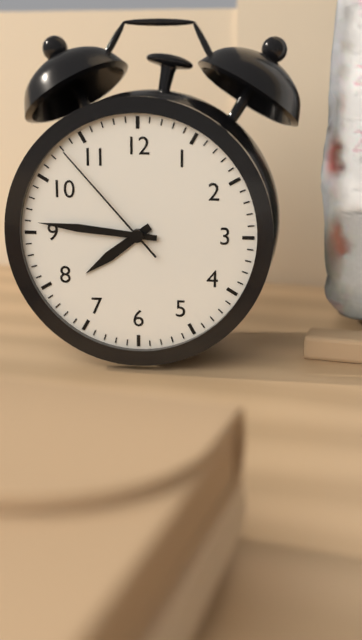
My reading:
**7:46:53**
